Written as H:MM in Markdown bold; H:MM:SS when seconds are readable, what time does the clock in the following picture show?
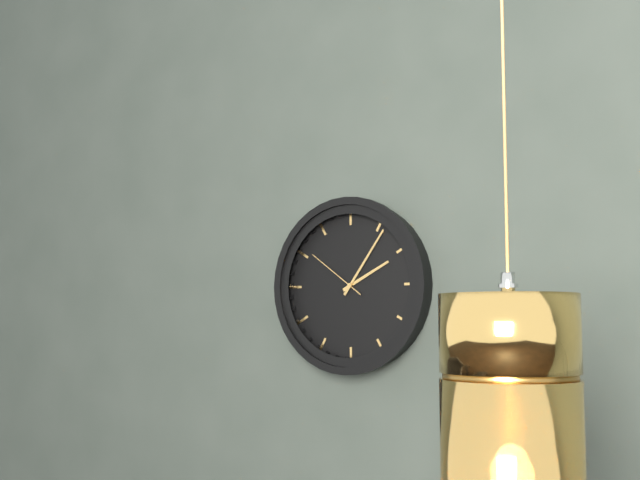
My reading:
**2:06:51**
